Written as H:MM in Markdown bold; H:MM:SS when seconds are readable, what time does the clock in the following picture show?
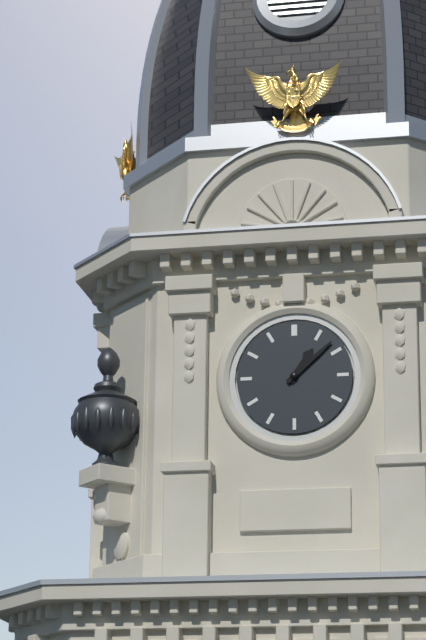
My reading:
**1:08**
